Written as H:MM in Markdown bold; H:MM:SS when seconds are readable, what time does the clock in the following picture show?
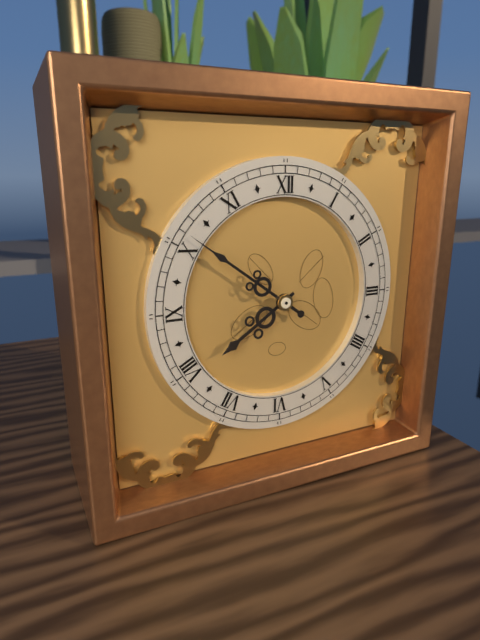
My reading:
**7:51**
